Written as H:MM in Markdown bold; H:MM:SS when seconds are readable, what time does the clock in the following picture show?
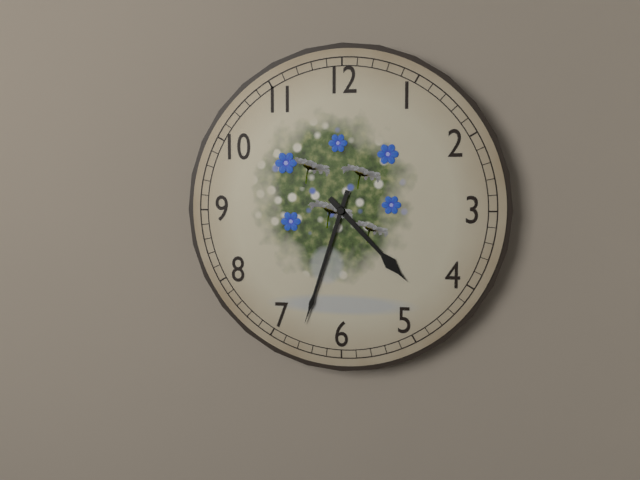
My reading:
**4:33**
